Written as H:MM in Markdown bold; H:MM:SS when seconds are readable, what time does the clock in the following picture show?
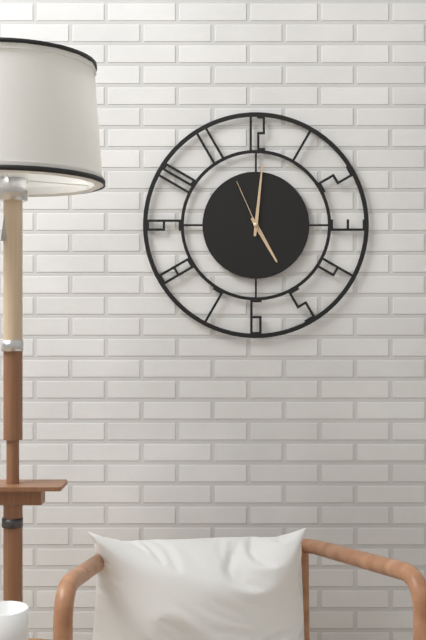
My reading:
**5:01:56**
